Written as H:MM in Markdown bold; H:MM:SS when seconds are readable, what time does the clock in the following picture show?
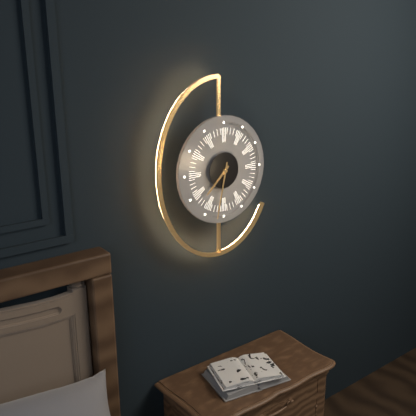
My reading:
**7:32**
